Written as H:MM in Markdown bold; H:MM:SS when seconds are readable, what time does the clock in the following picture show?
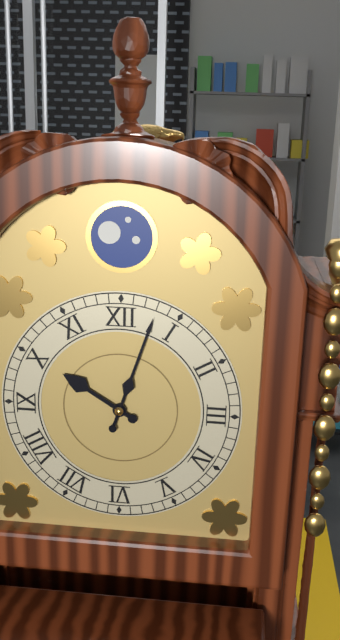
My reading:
**10:03**
